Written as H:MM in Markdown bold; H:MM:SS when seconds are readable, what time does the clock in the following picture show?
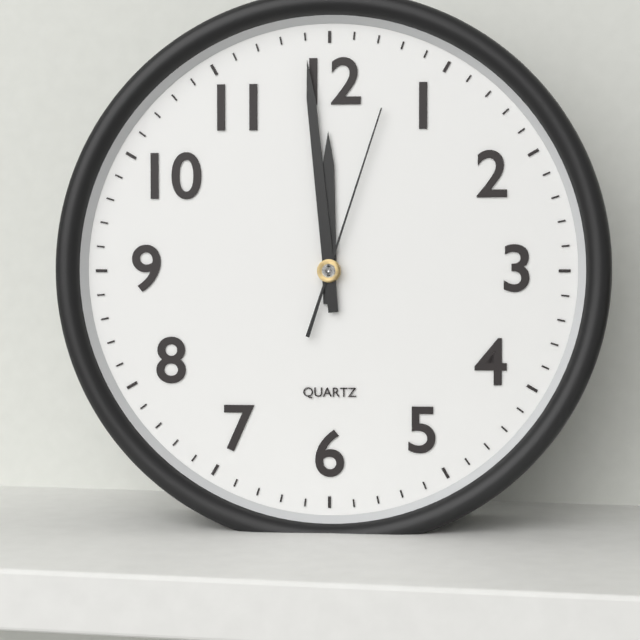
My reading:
**11:59:03**
